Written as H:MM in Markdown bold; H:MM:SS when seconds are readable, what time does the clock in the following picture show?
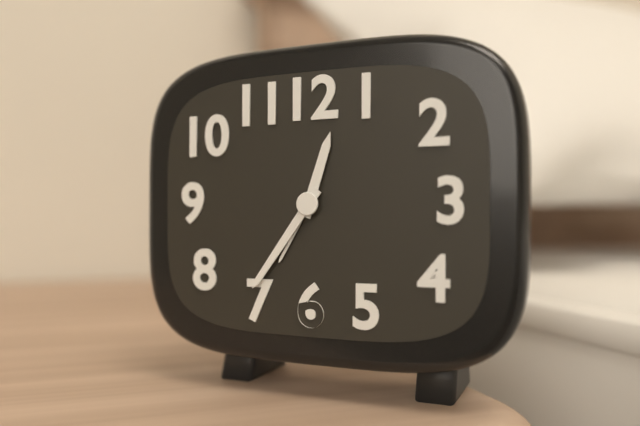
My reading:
**12:36**
